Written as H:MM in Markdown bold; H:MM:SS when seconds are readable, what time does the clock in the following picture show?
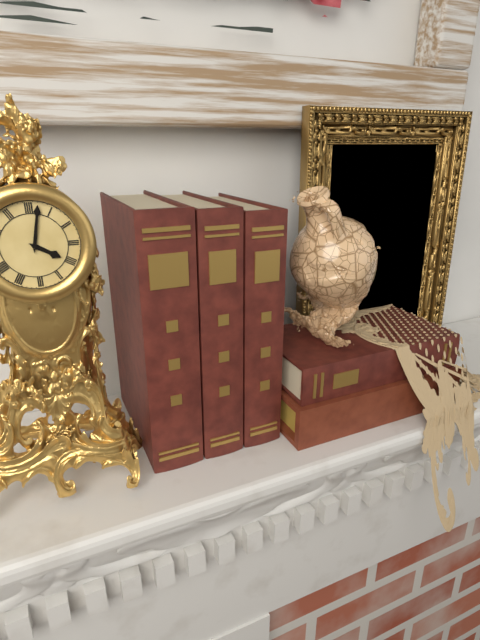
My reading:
**4:02**
